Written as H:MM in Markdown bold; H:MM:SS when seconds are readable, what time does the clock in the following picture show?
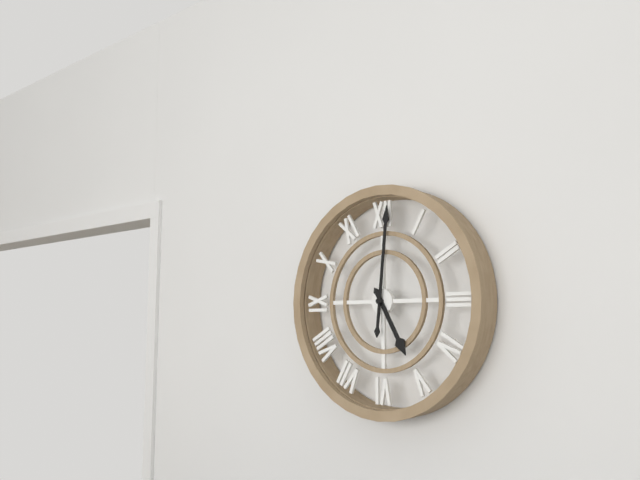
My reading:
**5:01**
